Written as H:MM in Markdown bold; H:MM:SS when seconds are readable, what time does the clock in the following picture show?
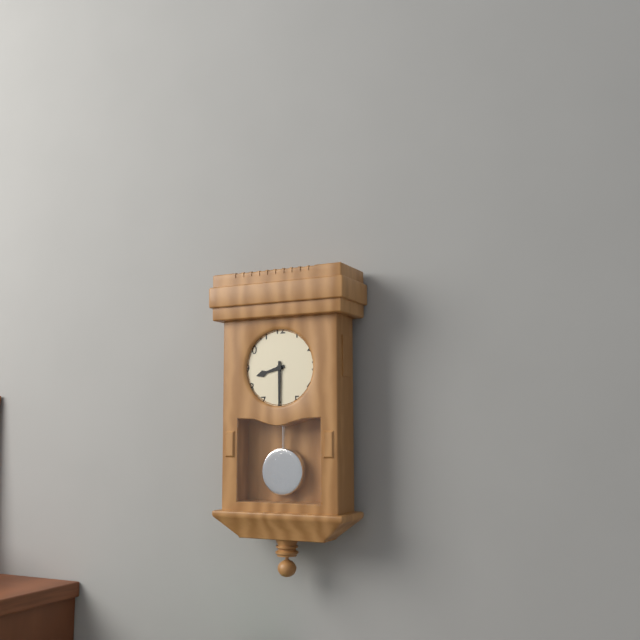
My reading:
**8:30**
